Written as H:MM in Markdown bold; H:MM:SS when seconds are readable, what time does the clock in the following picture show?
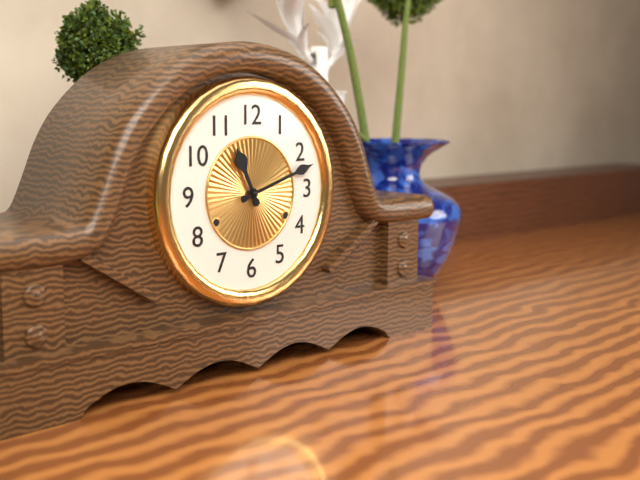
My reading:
**11:12**
